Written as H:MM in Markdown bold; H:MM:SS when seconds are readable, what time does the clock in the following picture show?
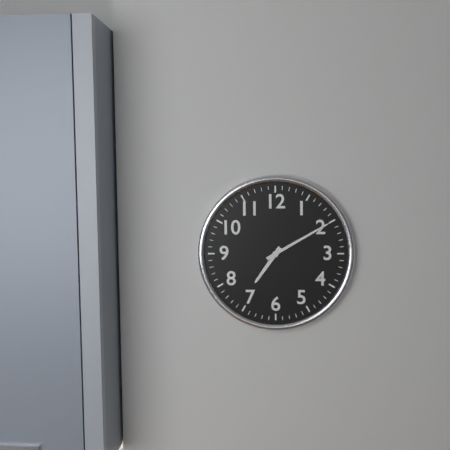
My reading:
**7:10**
